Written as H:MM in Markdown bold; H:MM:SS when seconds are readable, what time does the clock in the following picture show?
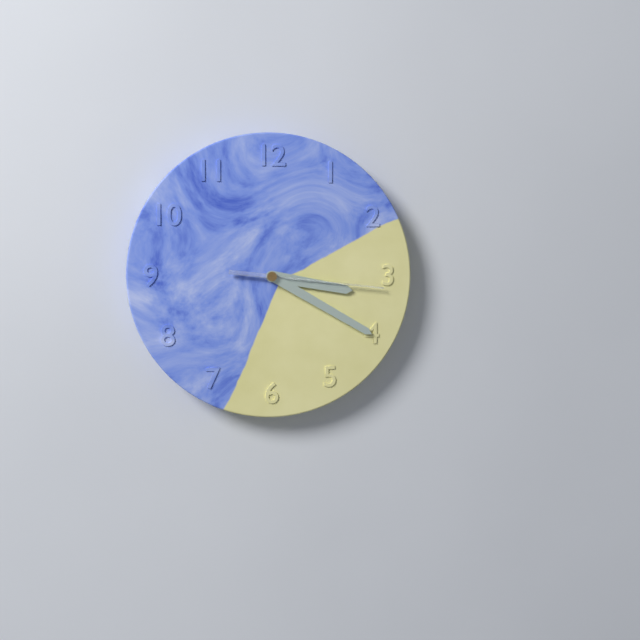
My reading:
**3:20:16**
